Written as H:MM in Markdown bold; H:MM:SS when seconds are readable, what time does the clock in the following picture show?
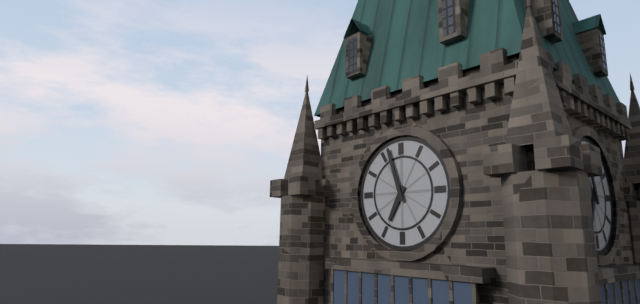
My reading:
**6:57**
